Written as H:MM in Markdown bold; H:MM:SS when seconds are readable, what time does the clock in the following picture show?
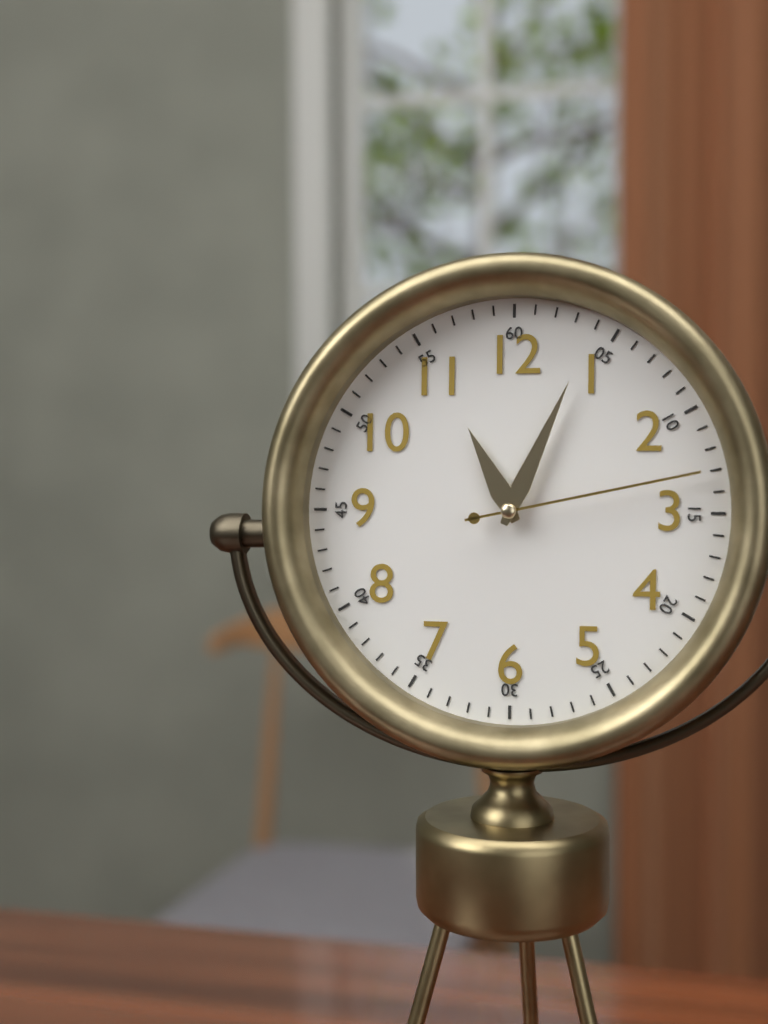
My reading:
**11:04:13**
